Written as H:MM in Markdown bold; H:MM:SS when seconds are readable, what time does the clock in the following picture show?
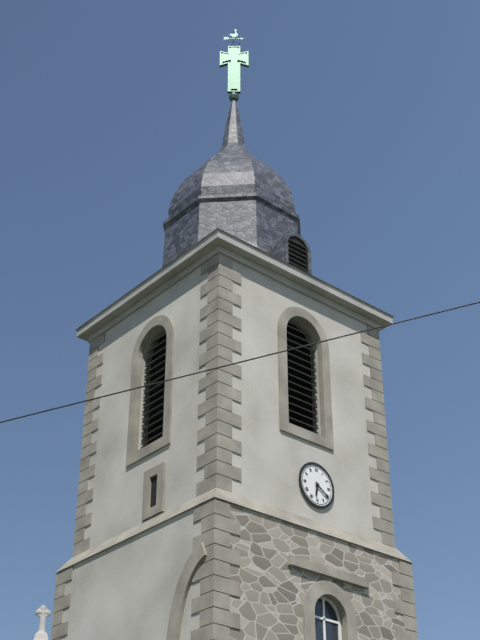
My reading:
**6:21**
